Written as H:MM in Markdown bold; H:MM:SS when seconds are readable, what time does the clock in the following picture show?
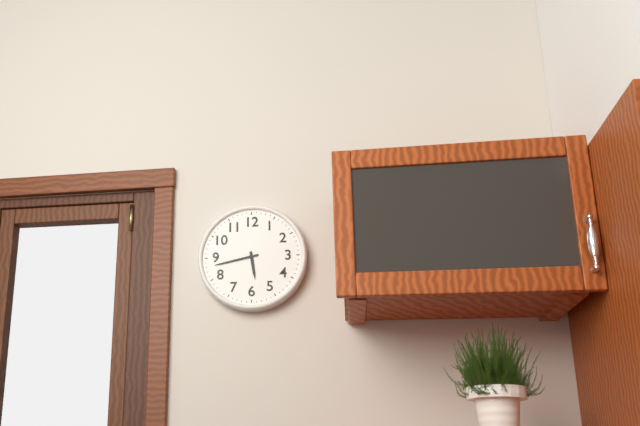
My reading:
**5:43**
